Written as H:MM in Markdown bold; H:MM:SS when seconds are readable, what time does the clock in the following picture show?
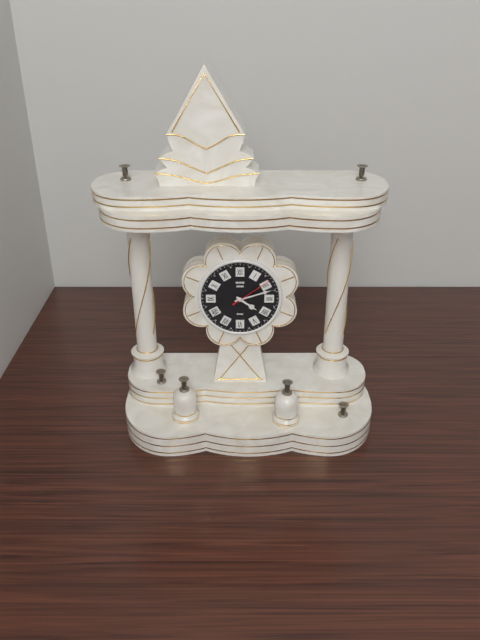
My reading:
**4:12**
